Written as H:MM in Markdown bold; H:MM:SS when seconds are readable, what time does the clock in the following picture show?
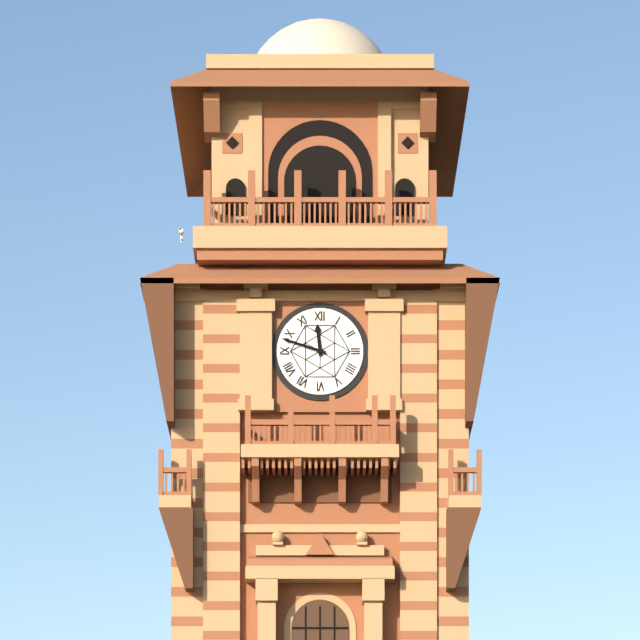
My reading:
**11:48**
